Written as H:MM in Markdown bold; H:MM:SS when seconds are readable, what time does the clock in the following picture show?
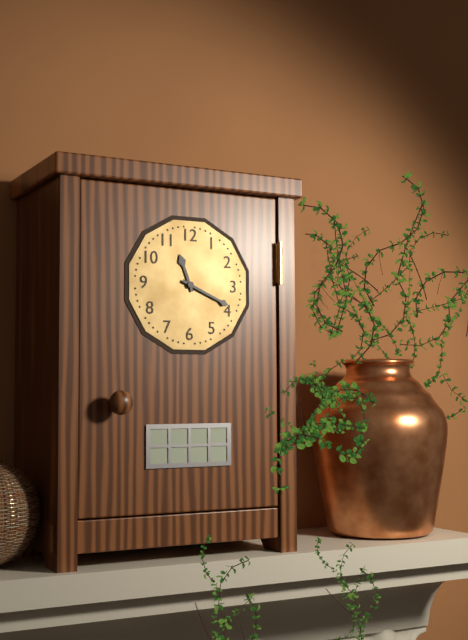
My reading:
**11:19**
